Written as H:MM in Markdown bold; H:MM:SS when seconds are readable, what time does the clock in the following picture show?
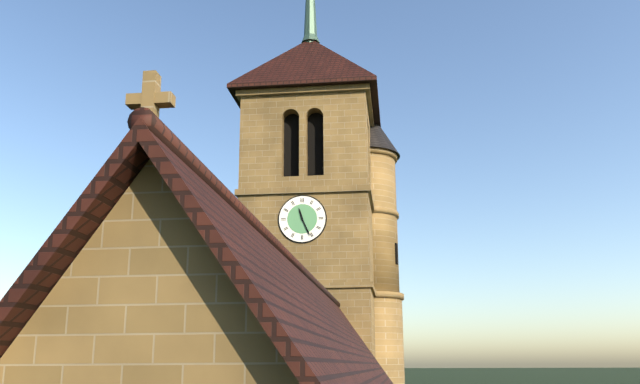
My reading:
**11:26**
